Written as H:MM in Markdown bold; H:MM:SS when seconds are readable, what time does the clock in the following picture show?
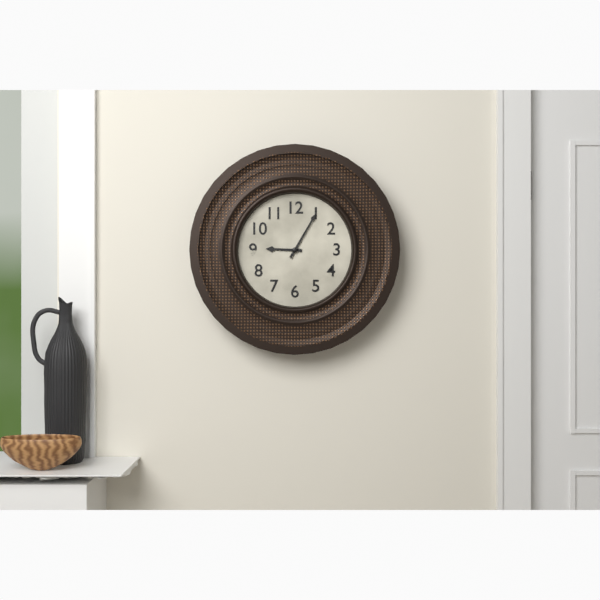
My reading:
**9:05**
